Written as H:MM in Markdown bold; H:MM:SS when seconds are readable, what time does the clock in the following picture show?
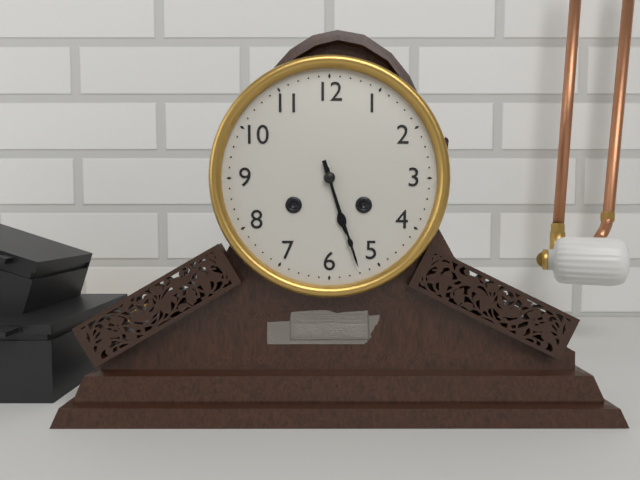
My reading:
**5:27**
